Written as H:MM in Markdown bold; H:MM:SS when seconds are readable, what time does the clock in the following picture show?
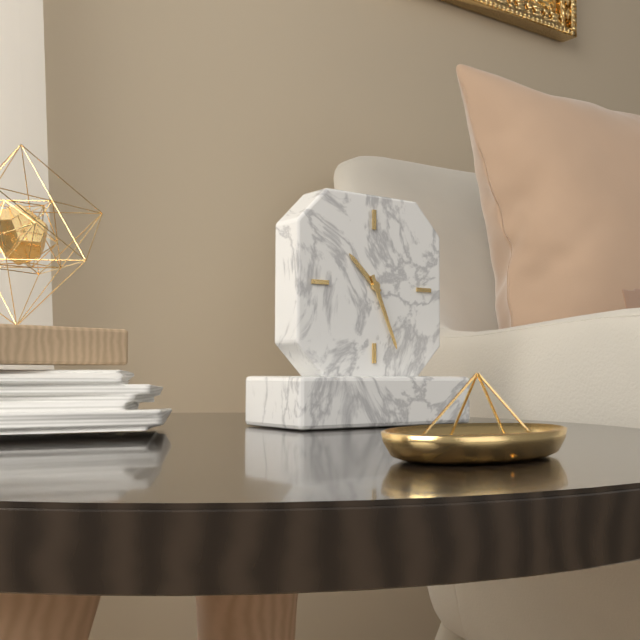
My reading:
**10:26**
